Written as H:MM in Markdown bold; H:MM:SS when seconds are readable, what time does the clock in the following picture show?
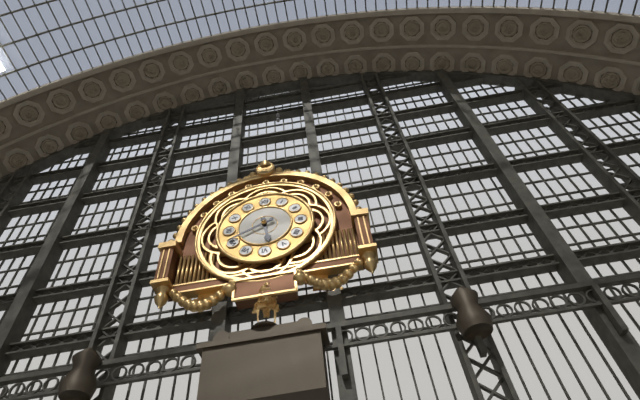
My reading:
**5:41**
